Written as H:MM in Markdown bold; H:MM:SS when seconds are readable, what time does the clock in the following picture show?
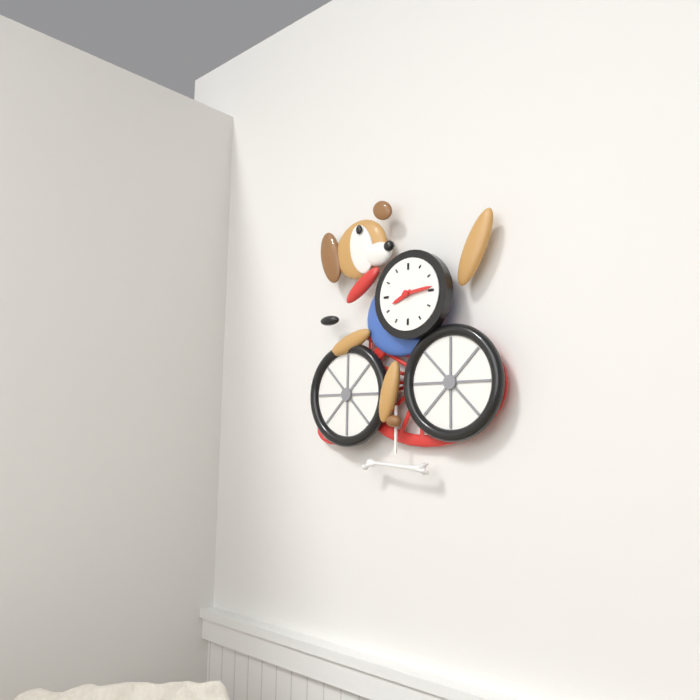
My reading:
**8:14**
